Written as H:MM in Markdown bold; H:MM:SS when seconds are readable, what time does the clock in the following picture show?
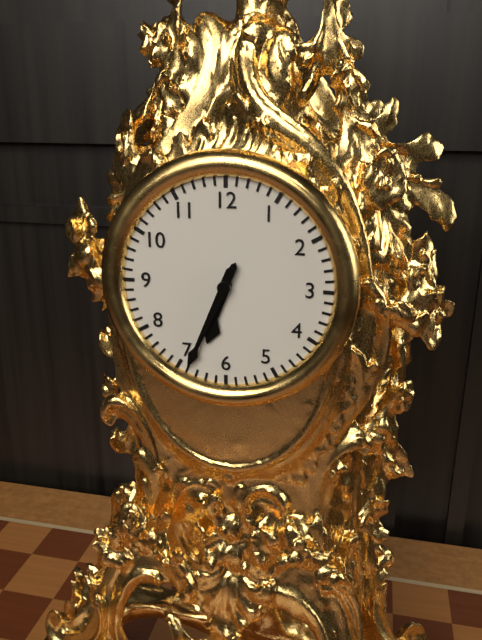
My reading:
**6:34**
